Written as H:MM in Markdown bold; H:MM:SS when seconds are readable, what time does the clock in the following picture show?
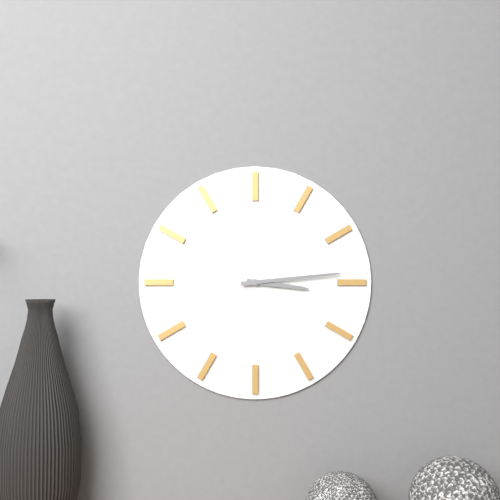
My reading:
**3:14**
